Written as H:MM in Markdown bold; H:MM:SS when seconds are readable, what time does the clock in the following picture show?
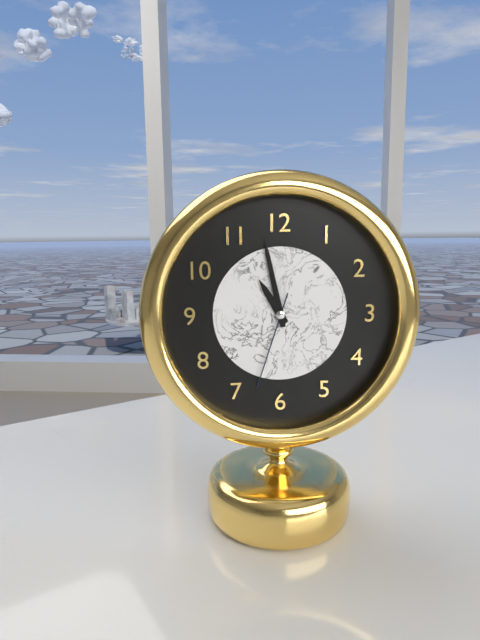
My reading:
**10:58:33**
